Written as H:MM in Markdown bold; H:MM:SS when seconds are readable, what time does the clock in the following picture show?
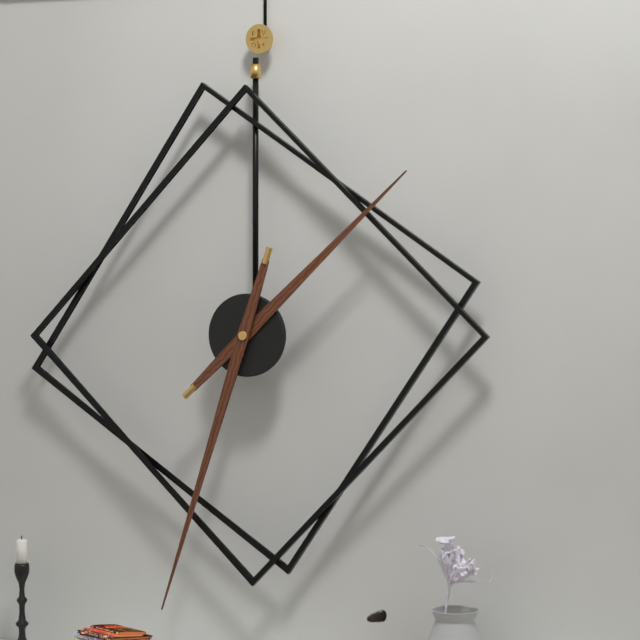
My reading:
**1:33**
